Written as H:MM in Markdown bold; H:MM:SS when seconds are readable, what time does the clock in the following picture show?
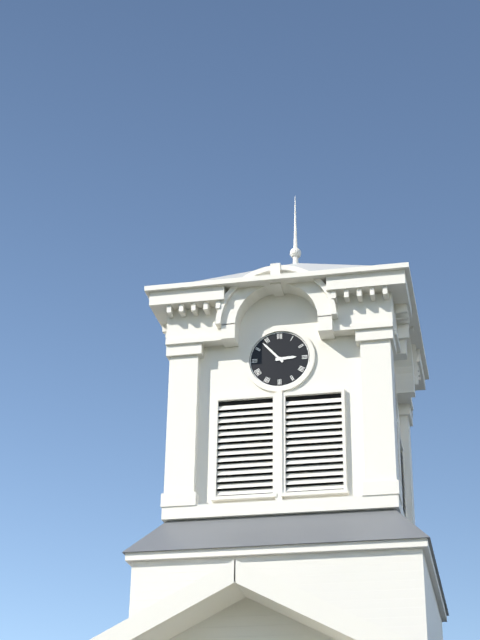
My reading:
**2:53**
